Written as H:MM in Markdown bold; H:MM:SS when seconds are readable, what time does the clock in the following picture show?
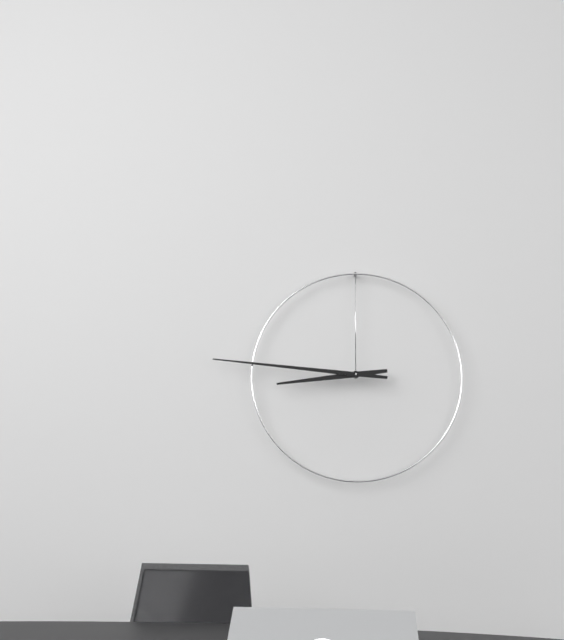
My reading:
**8:46**
